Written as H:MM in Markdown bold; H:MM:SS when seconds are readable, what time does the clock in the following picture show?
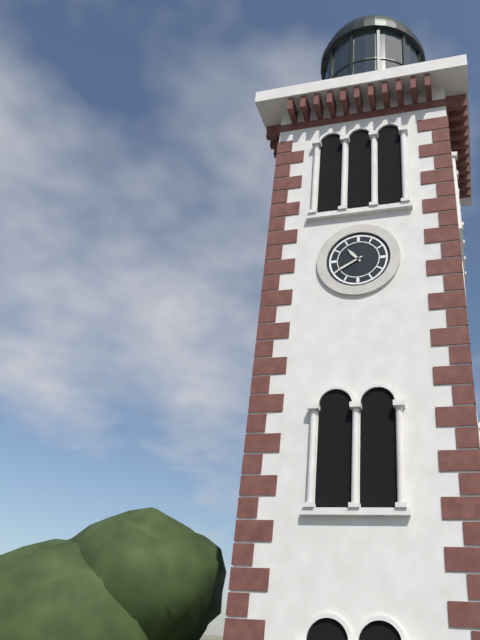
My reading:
**10:40**
